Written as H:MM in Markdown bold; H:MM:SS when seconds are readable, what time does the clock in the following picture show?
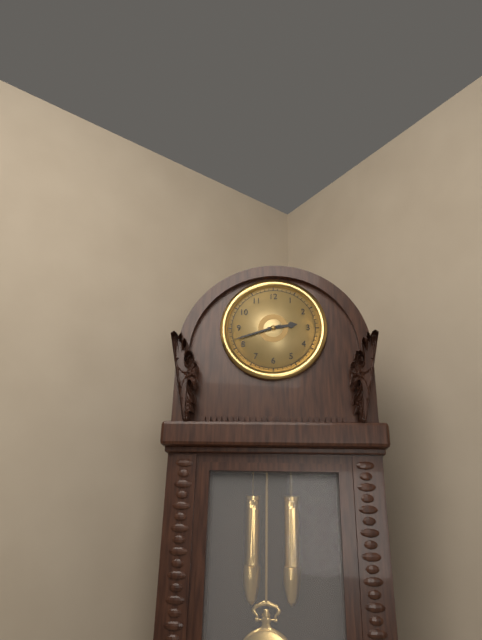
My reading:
**2:42**
